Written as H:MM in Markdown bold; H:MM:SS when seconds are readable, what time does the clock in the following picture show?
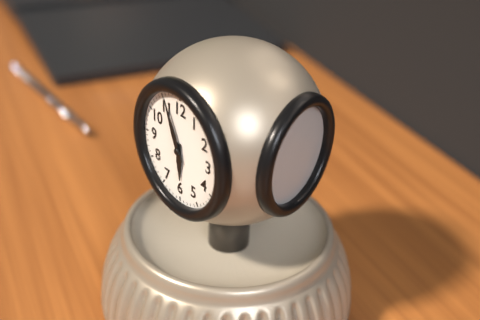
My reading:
**5:56**
